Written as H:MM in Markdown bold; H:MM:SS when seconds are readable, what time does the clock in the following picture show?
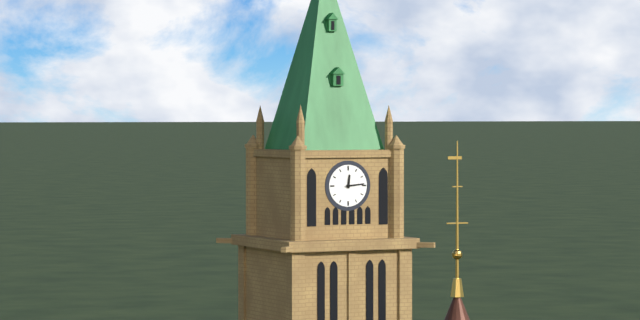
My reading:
**12:14**
